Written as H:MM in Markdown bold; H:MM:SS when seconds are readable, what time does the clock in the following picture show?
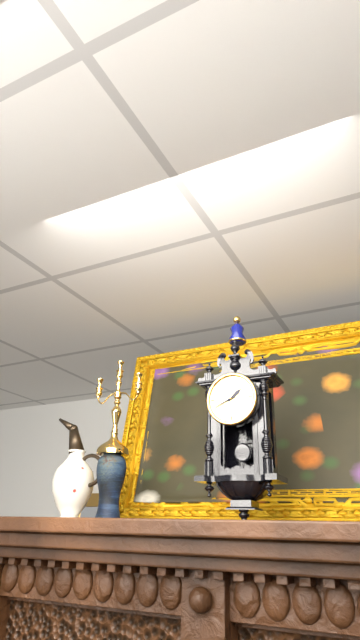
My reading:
**1:41**
